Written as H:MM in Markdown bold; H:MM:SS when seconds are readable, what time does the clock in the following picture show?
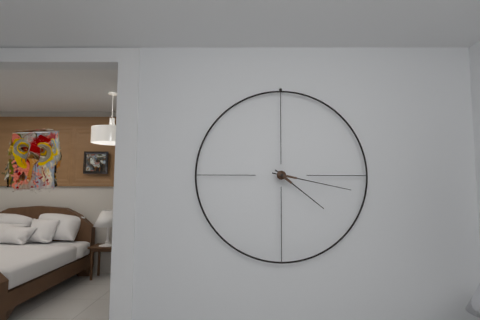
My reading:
**4:17**
